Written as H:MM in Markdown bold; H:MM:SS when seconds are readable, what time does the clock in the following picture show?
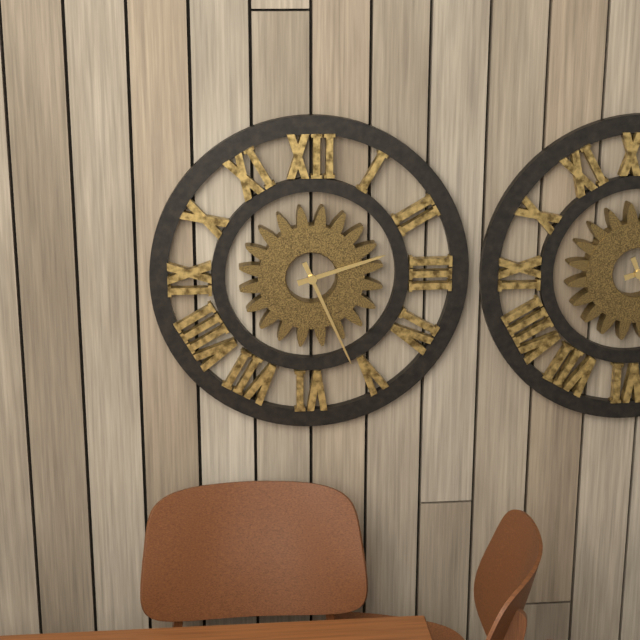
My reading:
**2:26**
